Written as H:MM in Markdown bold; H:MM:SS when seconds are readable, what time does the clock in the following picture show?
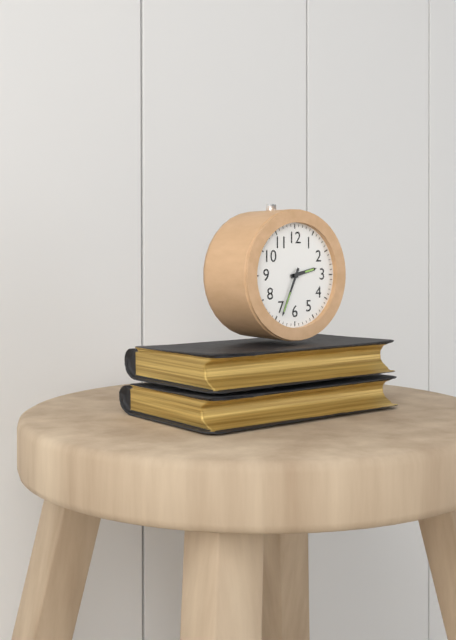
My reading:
**2:34**
